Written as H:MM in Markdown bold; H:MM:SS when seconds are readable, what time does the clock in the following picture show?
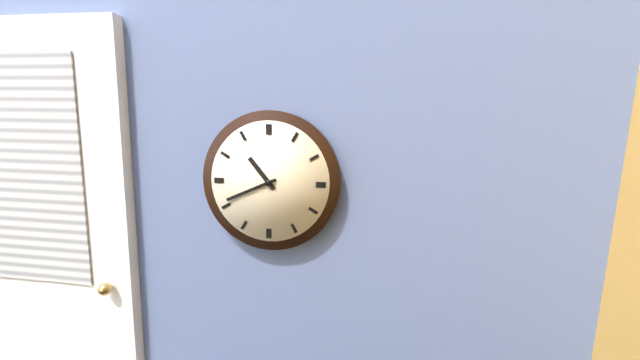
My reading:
**10:41**
